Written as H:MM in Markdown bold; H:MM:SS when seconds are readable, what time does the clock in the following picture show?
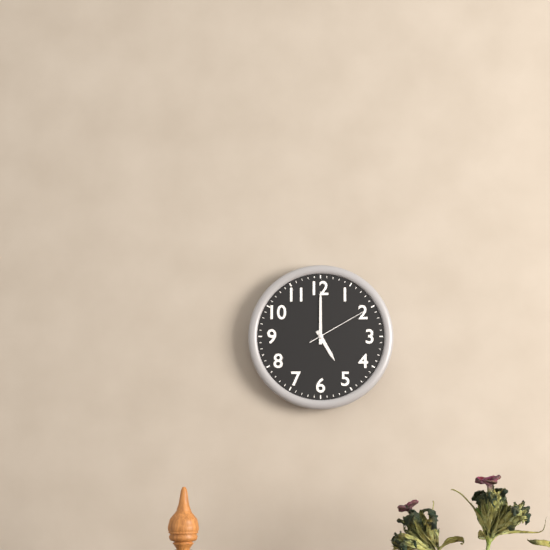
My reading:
**5:00:10**
